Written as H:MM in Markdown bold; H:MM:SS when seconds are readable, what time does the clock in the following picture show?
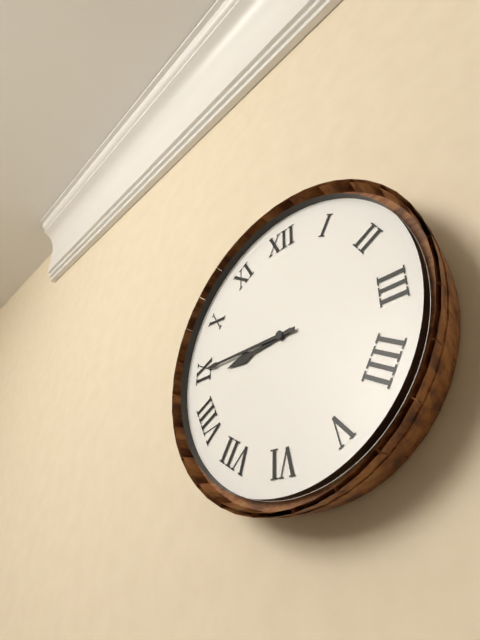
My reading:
**8:45**
